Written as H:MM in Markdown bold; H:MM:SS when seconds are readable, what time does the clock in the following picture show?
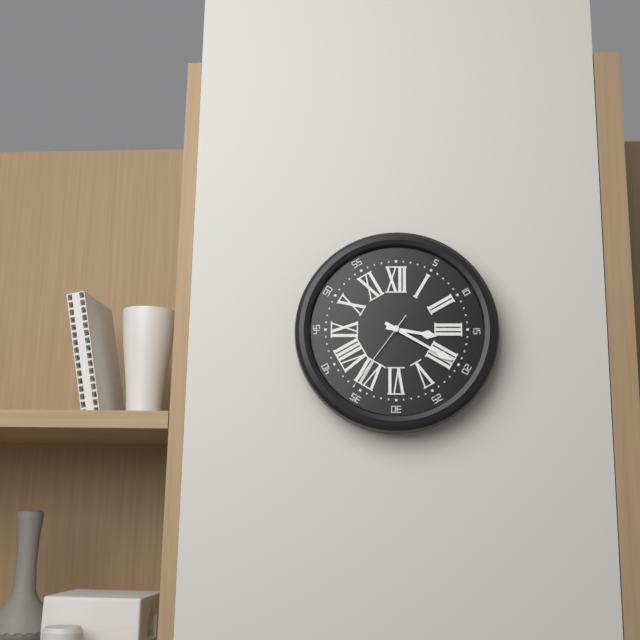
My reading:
**3:20:36**
